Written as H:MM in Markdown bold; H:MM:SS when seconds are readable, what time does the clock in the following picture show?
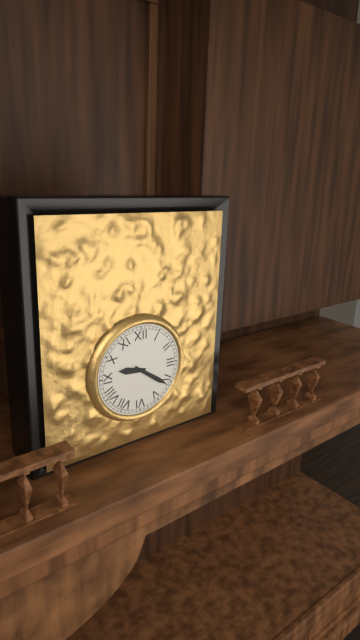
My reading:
**9:21**
